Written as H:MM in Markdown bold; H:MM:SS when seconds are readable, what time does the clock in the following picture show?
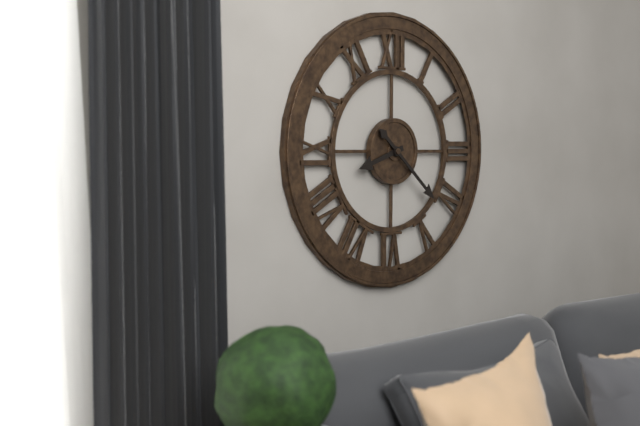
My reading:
**8:22**
